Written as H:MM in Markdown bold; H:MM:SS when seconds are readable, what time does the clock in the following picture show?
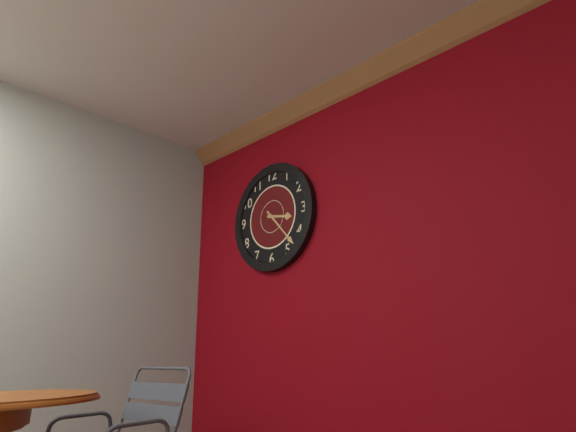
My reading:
**3:23**
